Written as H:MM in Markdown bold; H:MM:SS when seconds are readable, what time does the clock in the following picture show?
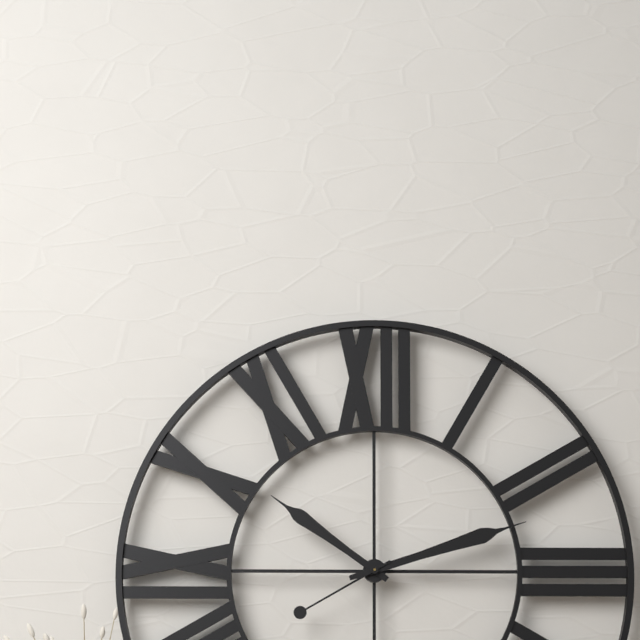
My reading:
**10:12:40**
